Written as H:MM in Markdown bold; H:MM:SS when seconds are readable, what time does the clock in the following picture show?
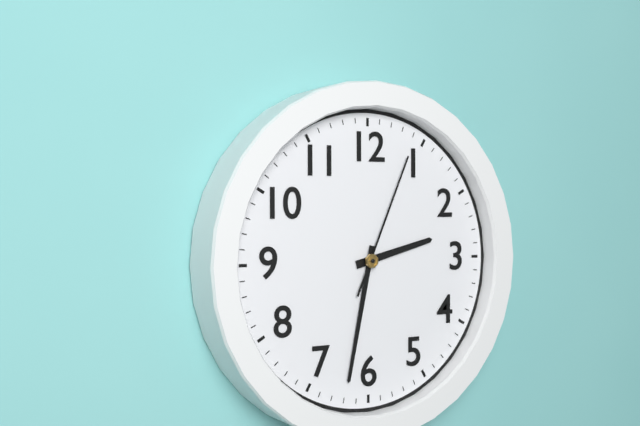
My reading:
**2:32:04**
